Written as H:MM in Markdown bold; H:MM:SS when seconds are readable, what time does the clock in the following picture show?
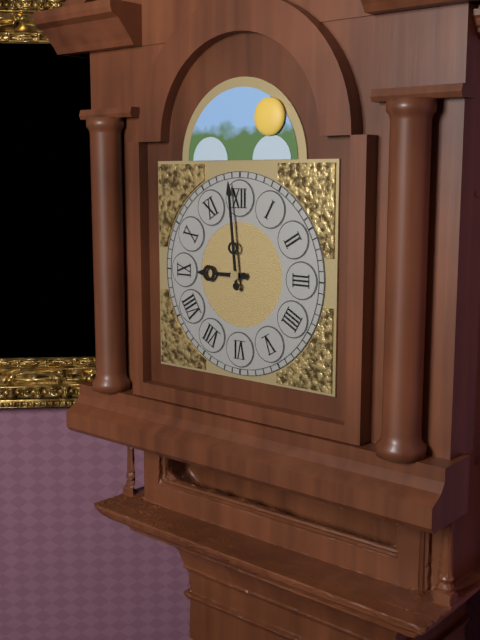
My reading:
**8:59**
